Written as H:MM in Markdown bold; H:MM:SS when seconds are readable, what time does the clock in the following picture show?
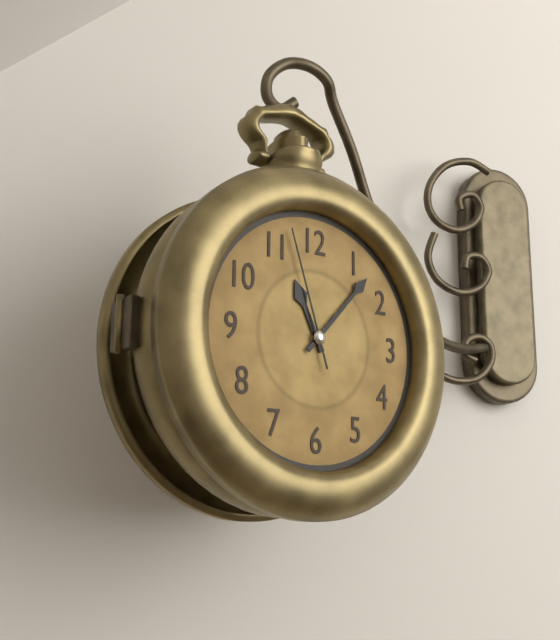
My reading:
**11:07:57**
